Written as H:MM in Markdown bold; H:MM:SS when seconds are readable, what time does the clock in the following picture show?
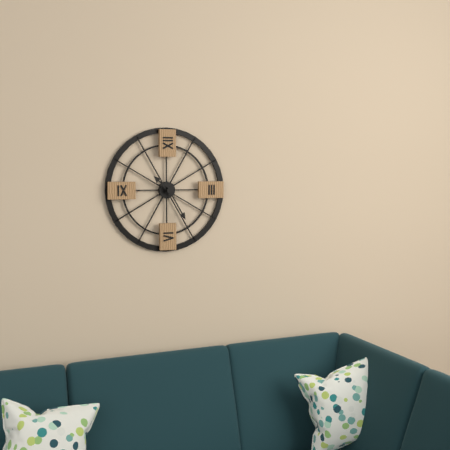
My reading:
**10:25**
